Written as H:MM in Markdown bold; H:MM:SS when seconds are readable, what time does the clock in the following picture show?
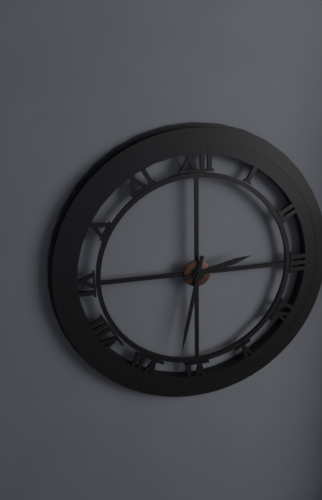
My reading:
**2:32**
